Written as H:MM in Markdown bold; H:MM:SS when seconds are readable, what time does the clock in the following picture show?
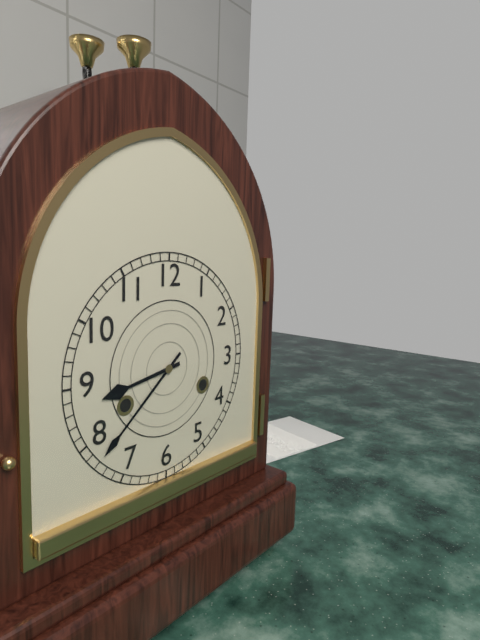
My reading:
**8:38**
